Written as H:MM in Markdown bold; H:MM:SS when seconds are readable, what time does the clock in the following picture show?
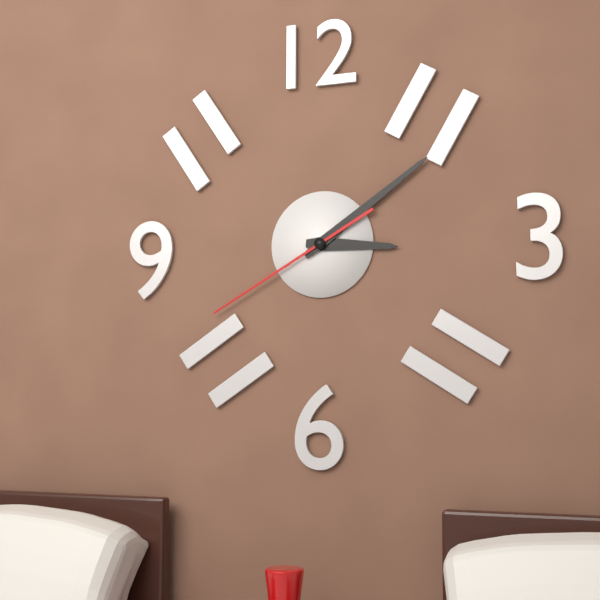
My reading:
**3:09:40**
